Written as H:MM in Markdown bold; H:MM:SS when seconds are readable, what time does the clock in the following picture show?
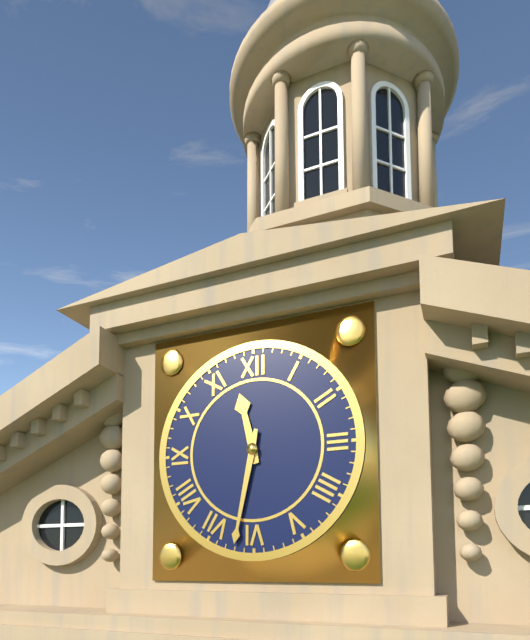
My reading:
**11:32**
